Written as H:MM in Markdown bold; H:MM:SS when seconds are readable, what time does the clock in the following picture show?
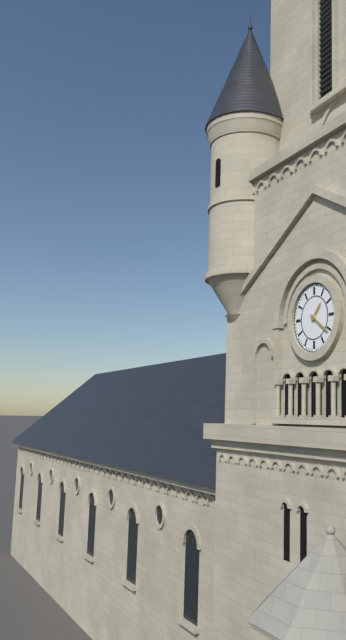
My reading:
**1:21**
